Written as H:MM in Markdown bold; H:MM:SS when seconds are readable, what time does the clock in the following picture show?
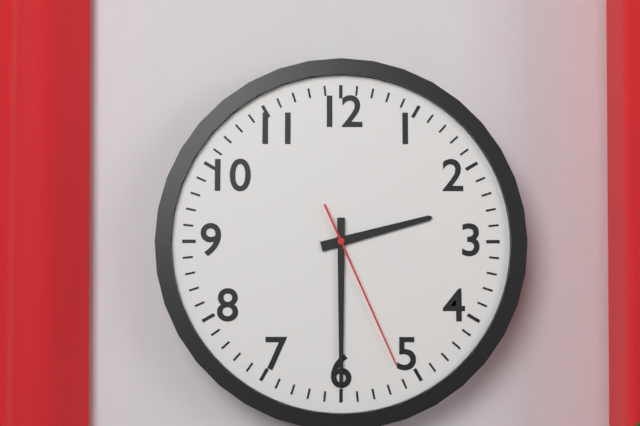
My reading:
**2:30:26**
